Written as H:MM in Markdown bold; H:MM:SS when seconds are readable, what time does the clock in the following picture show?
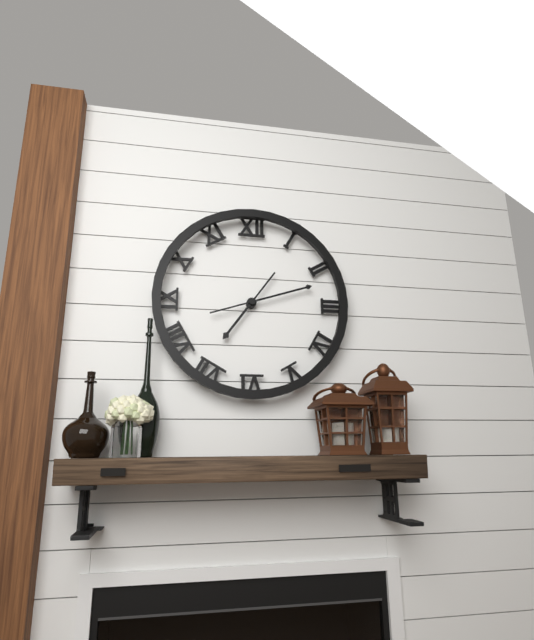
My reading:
**7:12**
